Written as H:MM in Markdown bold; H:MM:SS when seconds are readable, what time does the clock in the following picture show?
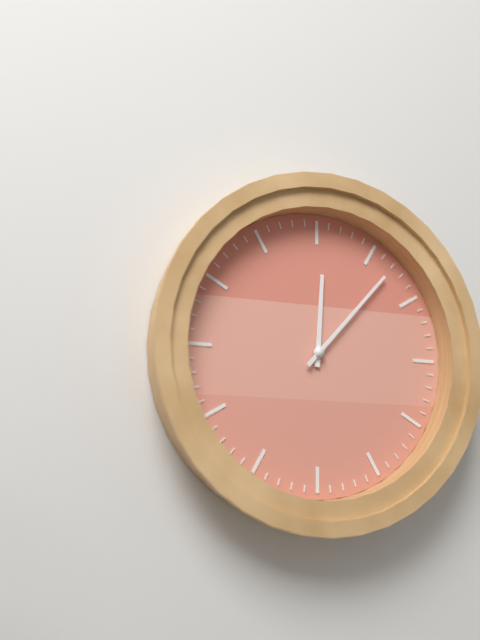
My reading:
**12:07**
